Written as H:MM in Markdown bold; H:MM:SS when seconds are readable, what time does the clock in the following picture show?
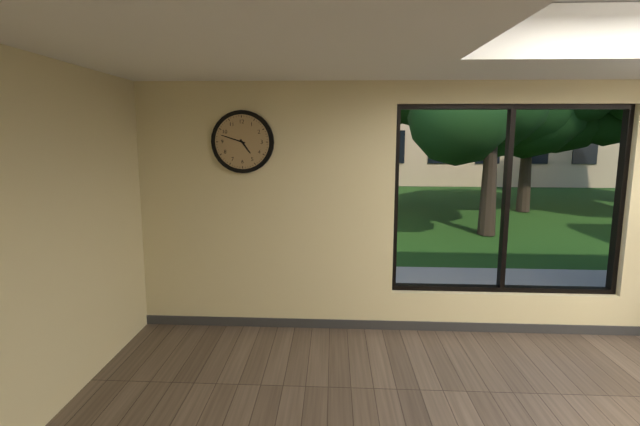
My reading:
**4:48**
